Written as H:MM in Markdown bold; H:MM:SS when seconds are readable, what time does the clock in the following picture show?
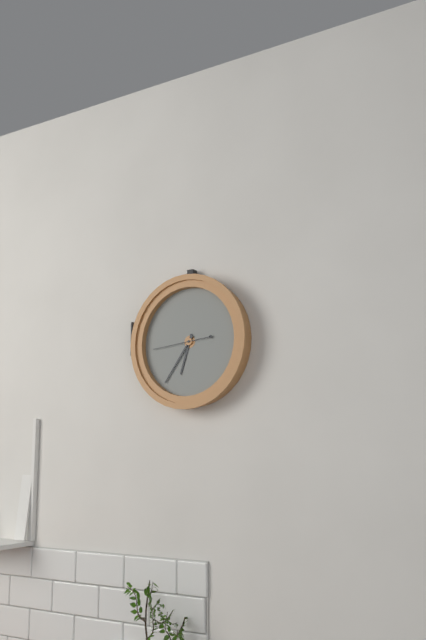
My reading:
**6:36**
